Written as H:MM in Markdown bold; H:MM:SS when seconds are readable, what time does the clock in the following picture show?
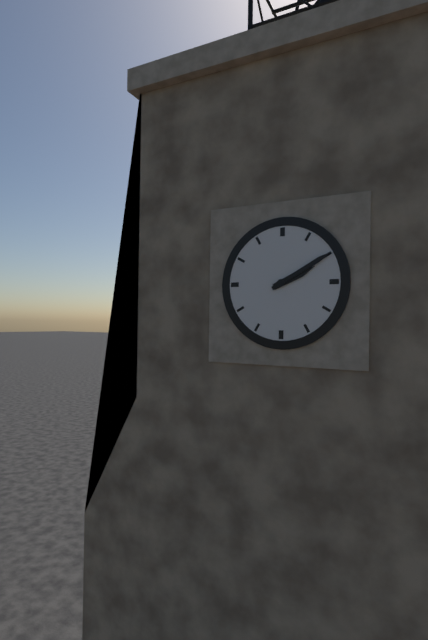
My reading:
**2:10**
